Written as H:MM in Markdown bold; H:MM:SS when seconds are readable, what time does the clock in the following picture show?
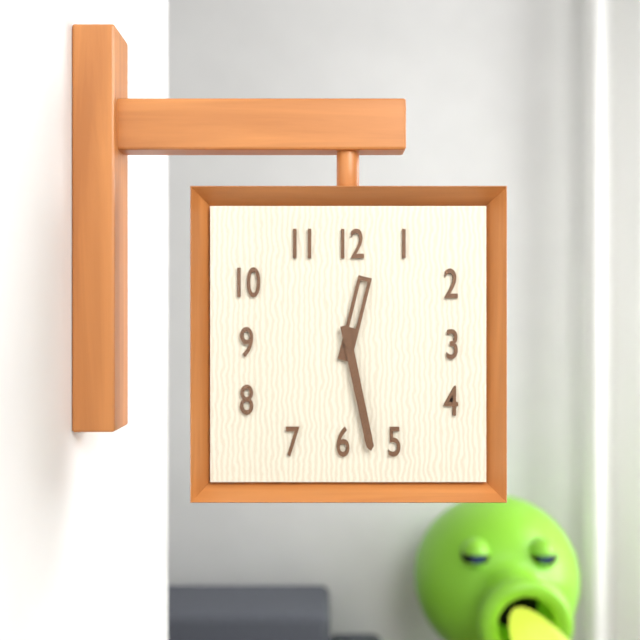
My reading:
**12:28**
